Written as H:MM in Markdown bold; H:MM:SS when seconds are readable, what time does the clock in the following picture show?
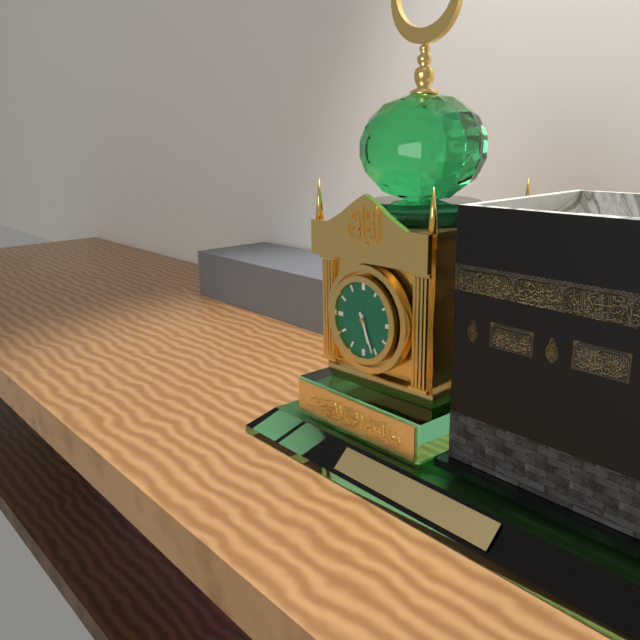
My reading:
**5:26**
